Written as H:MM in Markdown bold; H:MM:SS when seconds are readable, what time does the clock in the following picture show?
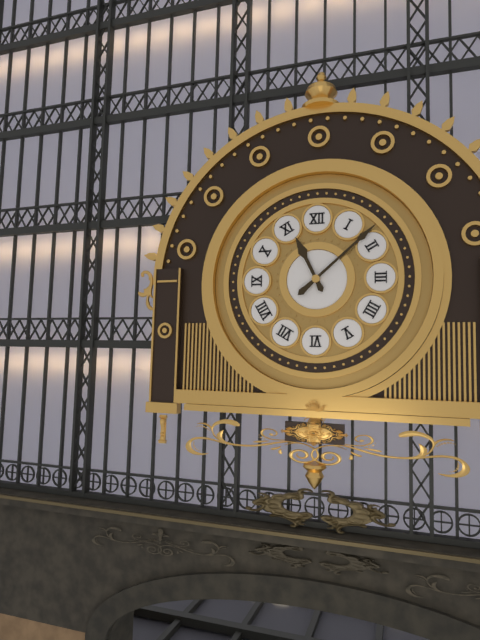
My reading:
**11:08**
